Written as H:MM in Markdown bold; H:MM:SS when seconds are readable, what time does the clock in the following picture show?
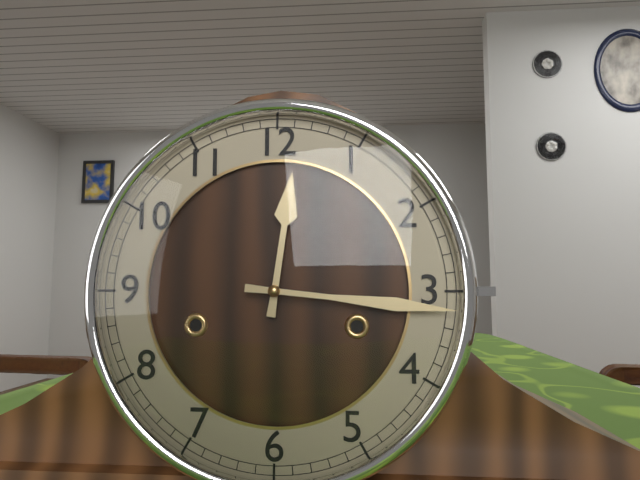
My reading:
**12:16**
